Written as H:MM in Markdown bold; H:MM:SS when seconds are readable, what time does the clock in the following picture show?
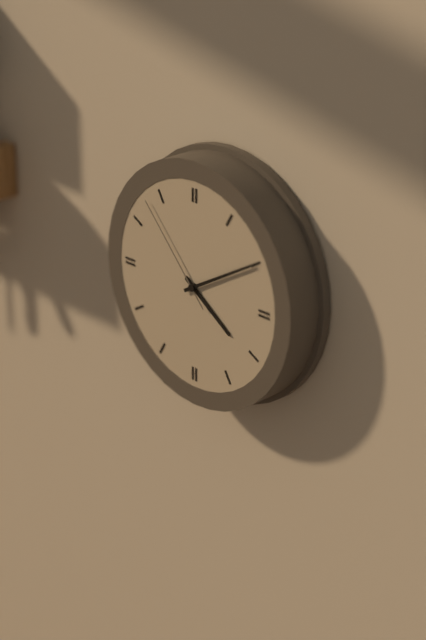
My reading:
**4:10:53**
